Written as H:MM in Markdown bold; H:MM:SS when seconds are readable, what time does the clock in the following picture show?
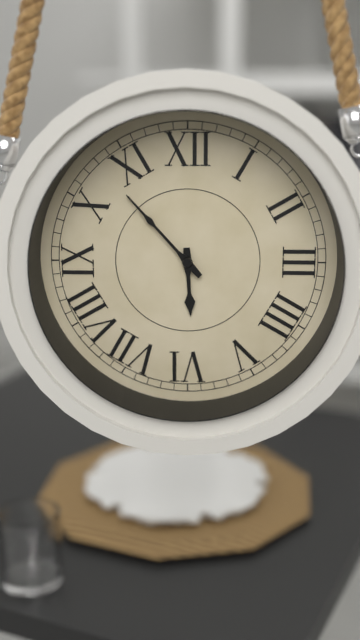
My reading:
**5:53**
